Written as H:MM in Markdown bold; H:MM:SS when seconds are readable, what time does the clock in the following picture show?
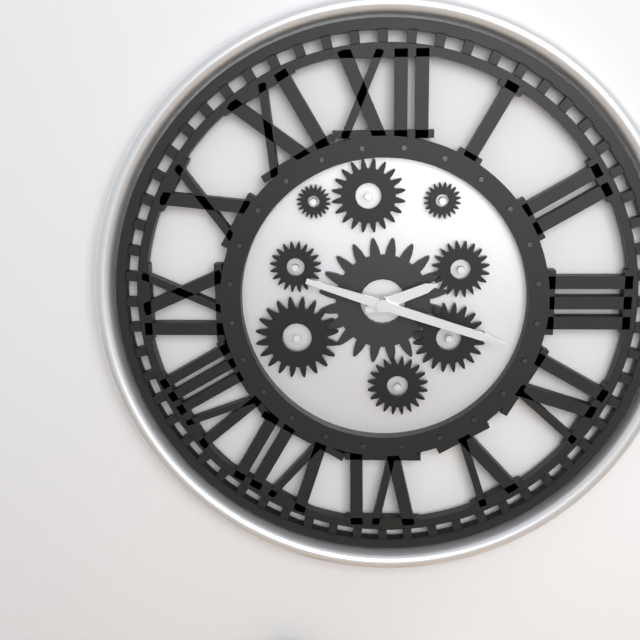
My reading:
**2:18**
